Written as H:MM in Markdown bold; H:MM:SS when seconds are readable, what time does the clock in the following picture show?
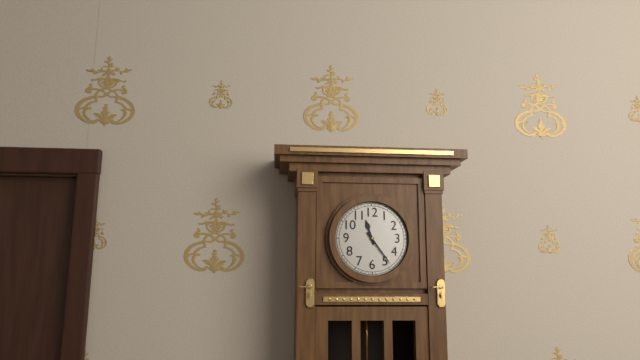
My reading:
**11:24**
